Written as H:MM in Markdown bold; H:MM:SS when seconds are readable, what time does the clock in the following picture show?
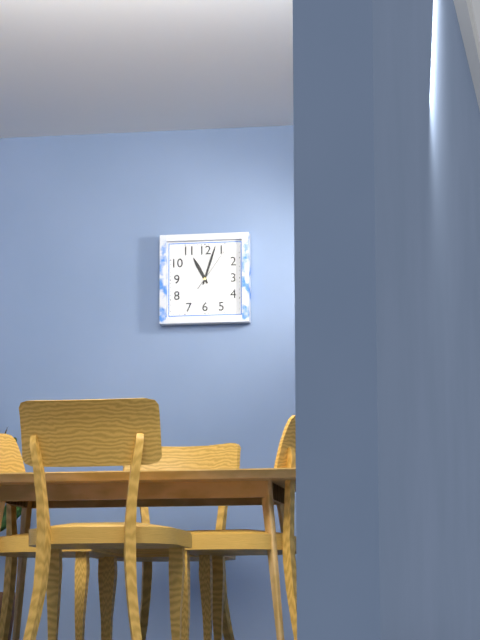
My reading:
**11:03**
